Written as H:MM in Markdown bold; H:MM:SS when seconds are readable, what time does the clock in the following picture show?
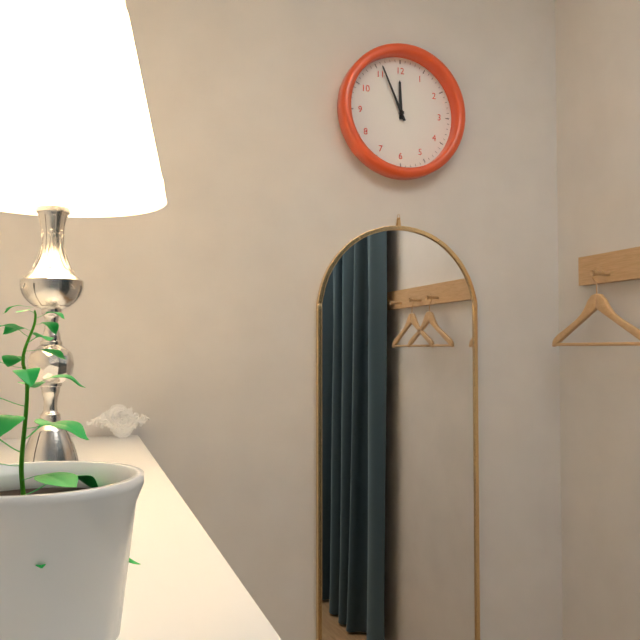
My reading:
**11:56**
